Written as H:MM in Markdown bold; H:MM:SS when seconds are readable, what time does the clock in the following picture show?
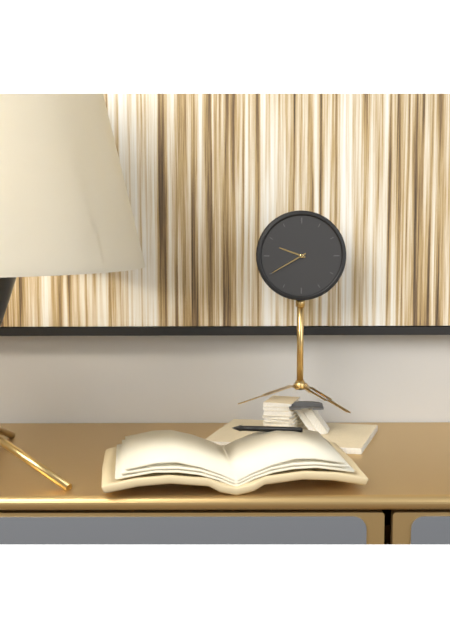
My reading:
**9:40**
